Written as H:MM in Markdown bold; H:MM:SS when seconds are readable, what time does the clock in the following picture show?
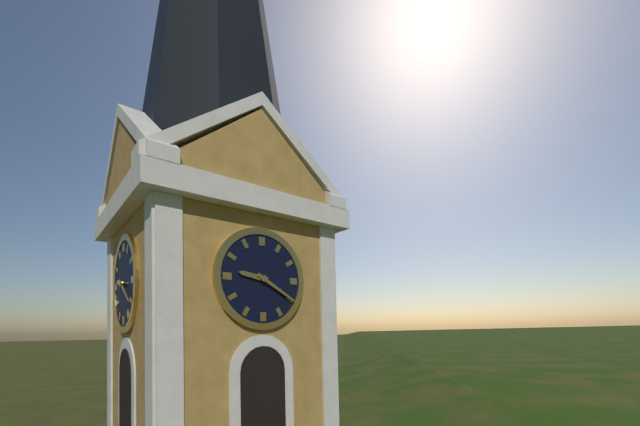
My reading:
**9:20**
